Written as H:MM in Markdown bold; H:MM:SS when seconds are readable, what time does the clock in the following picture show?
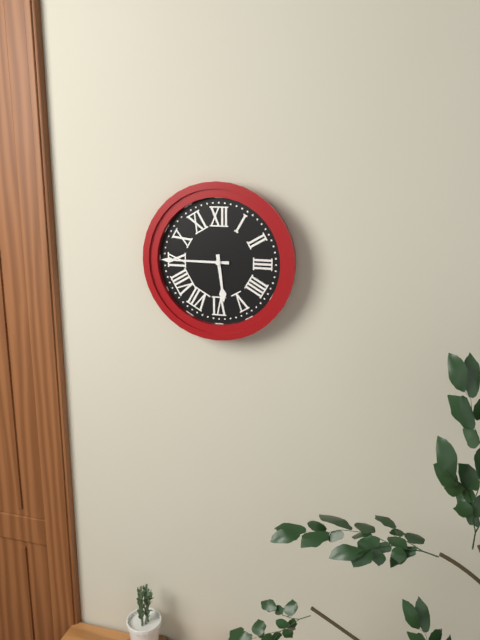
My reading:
**5:45**
